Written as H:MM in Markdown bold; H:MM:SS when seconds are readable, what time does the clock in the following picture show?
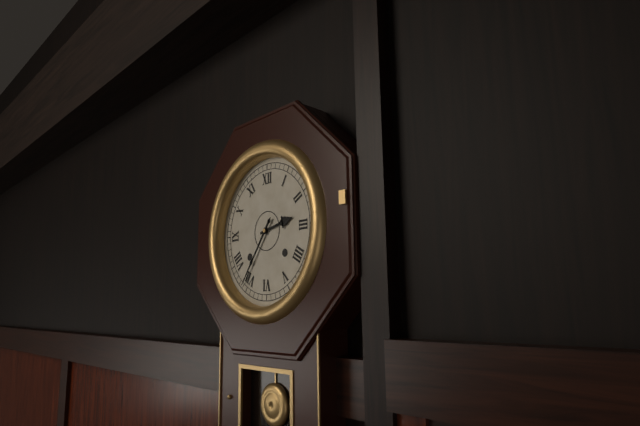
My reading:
**2:36**
